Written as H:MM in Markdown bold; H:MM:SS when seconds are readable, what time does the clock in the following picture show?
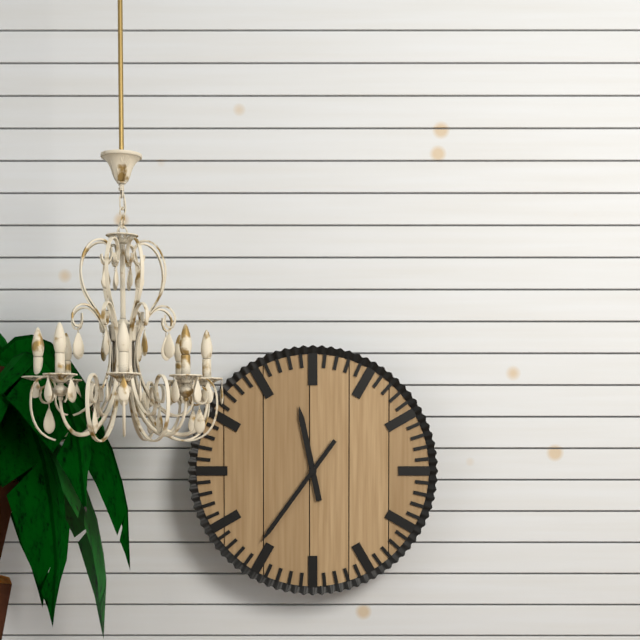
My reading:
**11:36**
